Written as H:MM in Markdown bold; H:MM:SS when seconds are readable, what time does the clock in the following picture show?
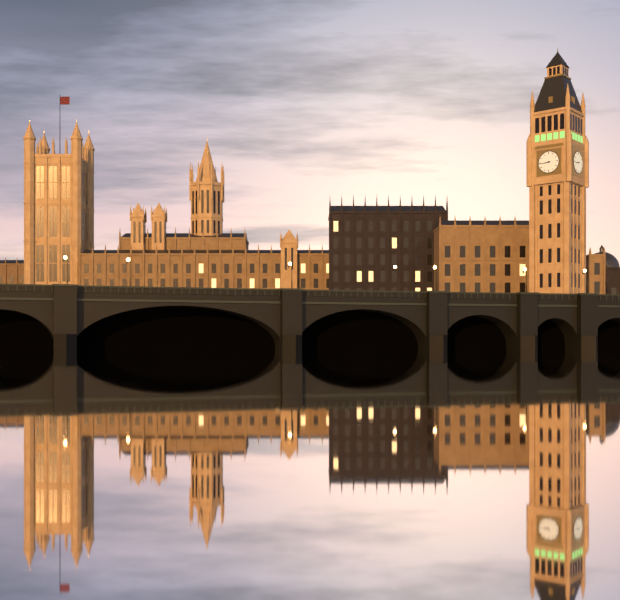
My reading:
**8:44**
